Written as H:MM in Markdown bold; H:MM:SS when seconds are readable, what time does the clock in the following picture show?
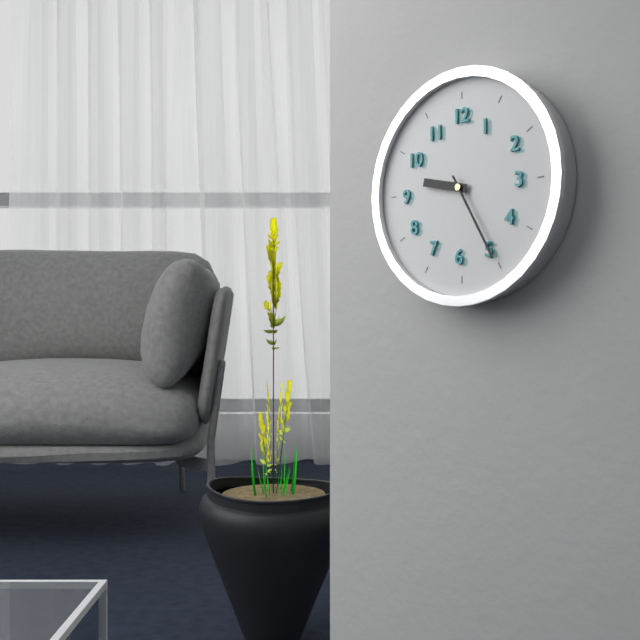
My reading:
**9:25**
